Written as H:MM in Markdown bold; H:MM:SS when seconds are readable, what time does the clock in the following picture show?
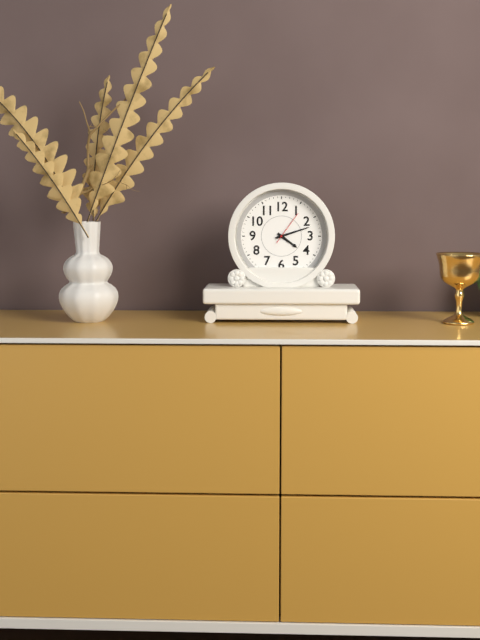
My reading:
**4:12**
